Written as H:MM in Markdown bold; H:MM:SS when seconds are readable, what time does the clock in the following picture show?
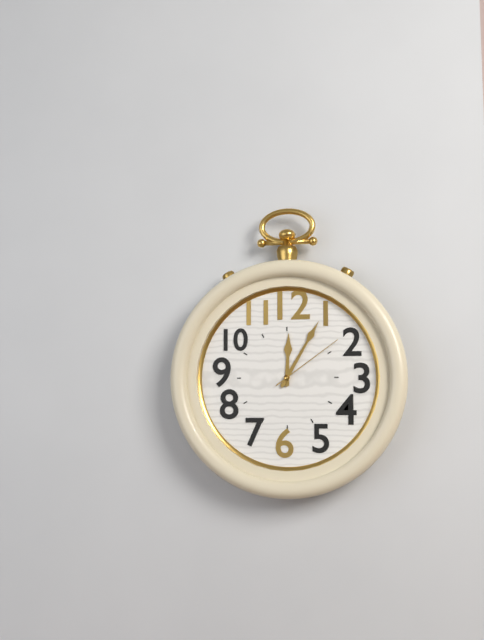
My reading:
**12:05:09**
